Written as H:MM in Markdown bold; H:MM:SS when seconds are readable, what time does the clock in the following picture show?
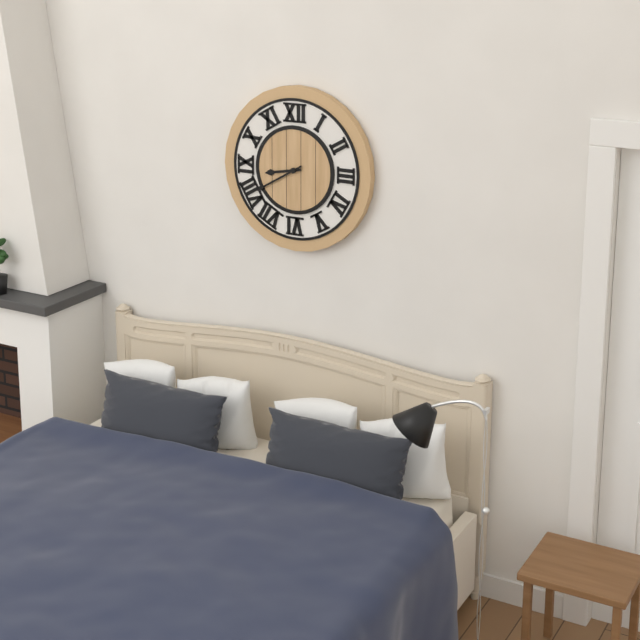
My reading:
**8:40**
